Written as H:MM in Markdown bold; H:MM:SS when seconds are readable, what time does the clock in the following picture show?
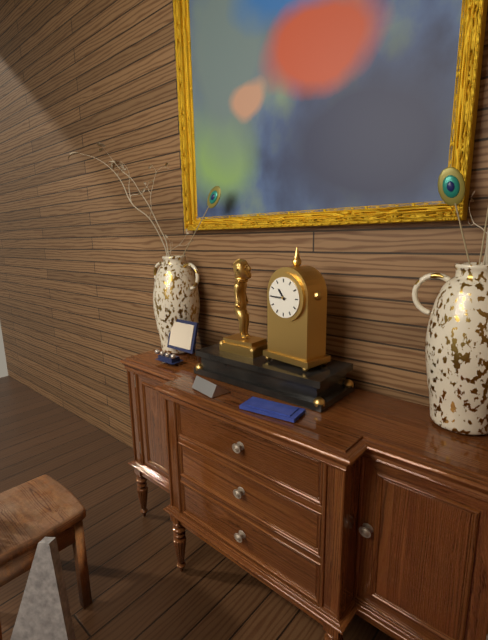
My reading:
**10:45**
